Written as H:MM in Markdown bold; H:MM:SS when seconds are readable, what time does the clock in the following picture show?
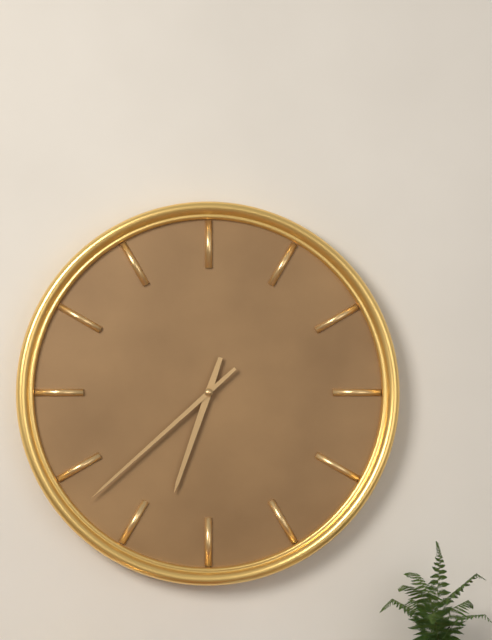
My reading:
**6:38**
